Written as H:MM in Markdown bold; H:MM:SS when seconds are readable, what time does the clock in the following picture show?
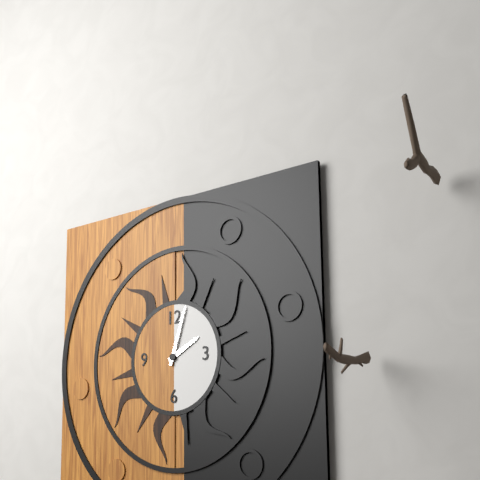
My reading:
**2:03**
